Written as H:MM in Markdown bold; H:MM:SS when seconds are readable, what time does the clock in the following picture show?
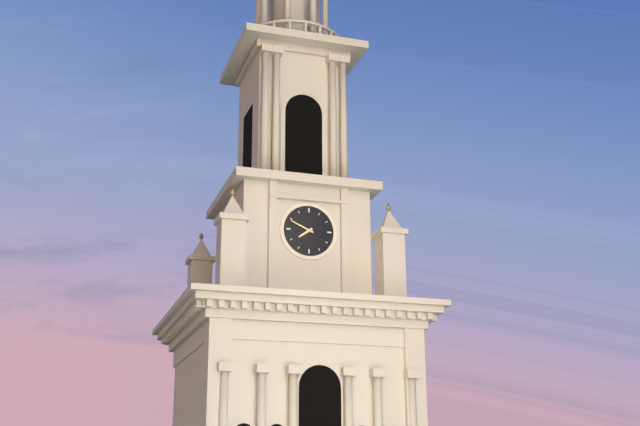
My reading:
**7:49**
